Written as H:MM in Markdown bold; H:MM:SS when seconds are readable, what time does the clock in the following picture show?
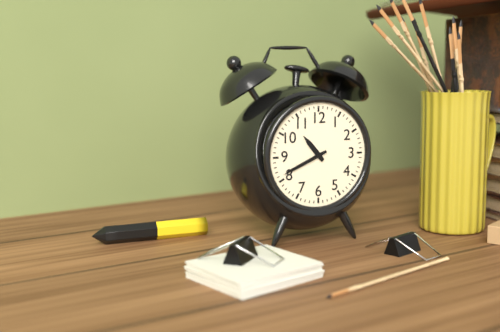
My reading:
**10:41**
